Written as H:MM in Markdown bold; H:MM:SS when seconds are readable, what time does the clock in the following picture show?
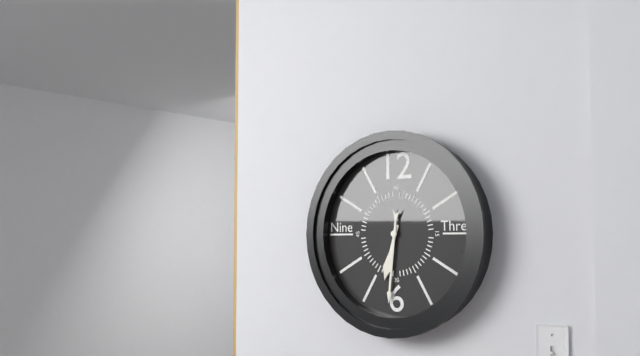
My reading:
**6:31**
